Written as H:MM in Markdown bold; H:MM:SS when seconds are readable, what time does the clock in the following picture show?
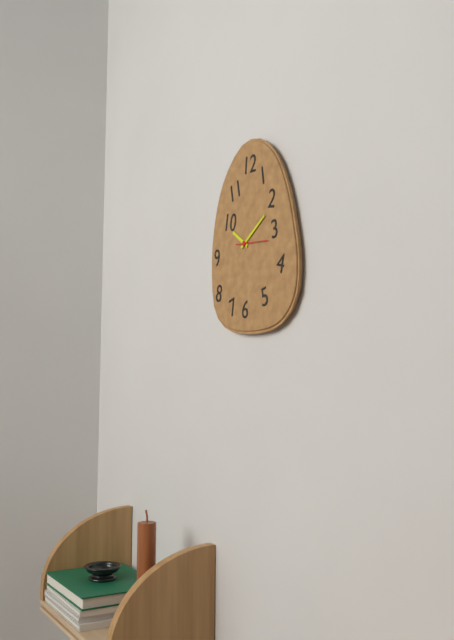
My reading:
**10:10**
